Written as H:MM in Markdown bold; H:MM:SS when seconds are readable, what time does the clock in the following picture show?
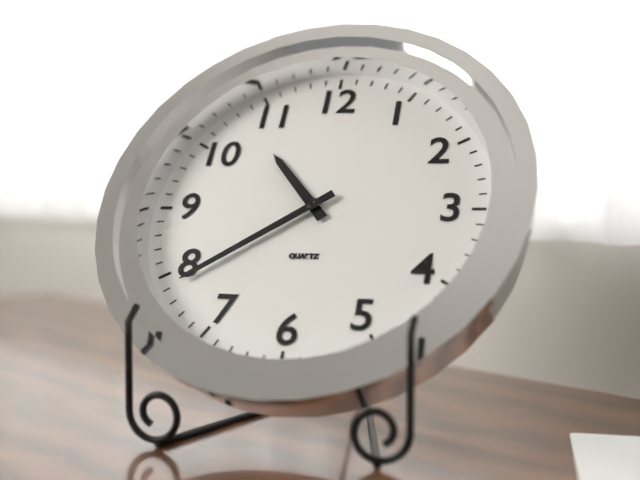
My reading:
**10:39**
